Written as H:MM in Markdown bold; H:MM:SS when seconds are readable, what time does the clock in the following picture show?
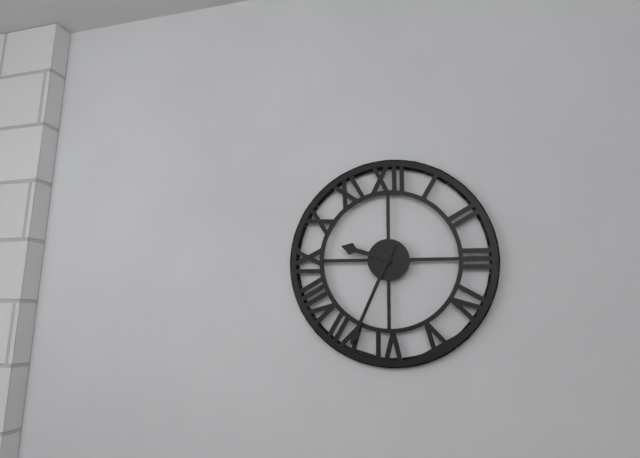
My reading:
**9:34**
